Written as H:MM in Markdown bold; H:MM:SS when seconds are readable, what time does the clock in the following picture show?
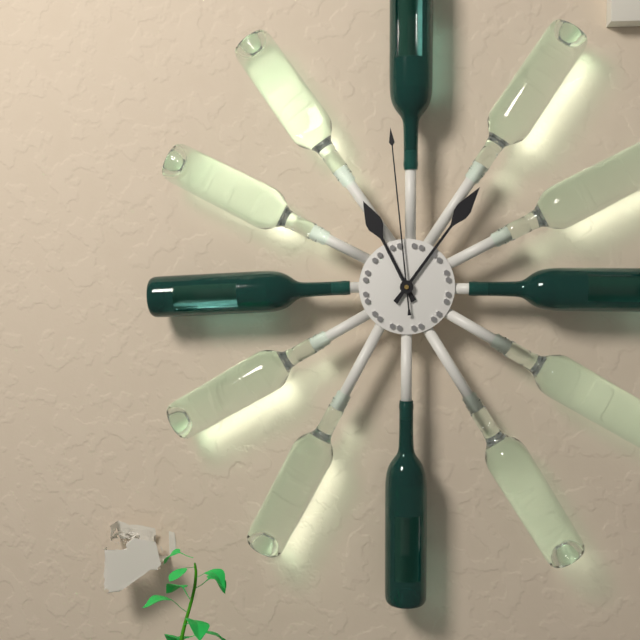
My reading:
**11:06:59**
